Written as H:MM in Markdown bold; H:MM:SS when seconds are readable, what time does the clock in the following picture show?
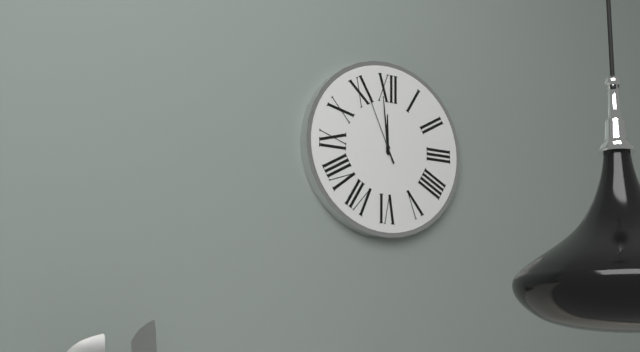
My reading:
**11:59:56**
